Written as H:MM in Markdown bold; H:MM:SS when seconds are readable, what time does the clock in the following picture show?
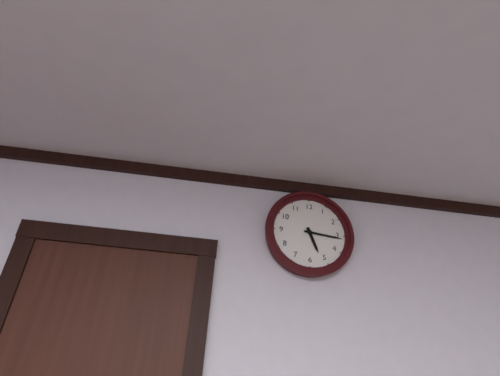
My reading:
**5:16**
